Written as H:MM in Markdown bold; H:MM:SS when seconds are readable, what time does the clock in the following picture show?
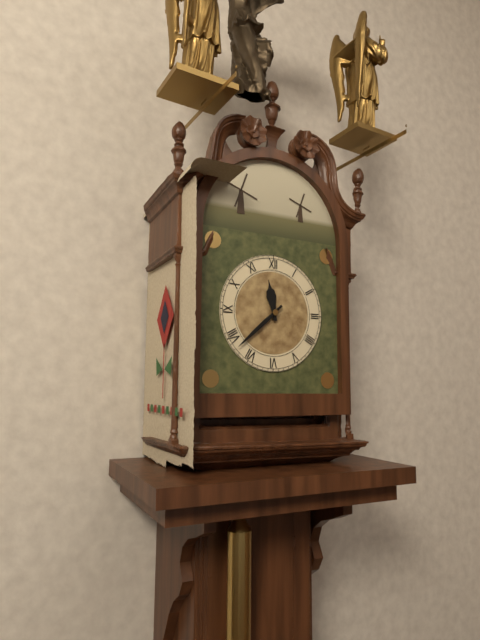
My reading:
**11:38**
